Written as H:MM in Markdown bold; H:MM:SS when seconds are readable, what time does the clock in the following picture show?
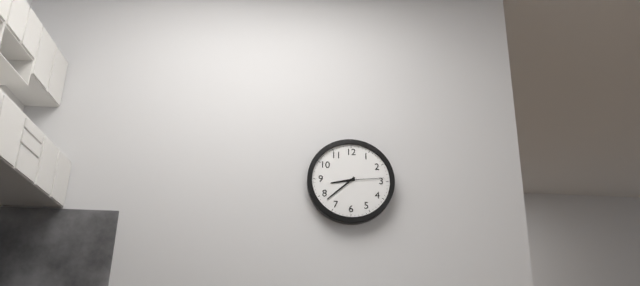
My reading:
**8:38**
